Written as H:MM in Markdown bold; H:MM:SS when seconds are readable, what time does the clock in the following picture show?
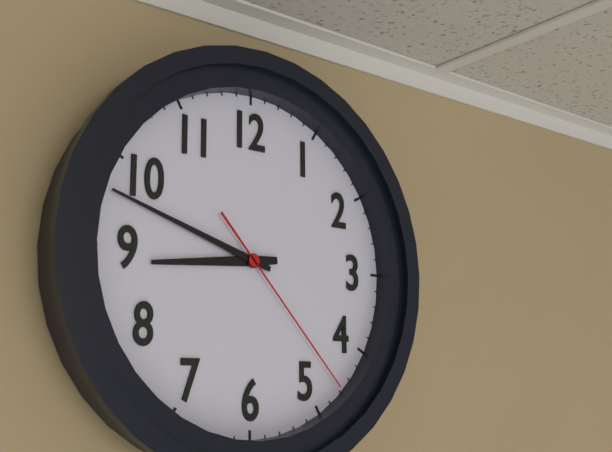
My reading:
**8:48:23**
